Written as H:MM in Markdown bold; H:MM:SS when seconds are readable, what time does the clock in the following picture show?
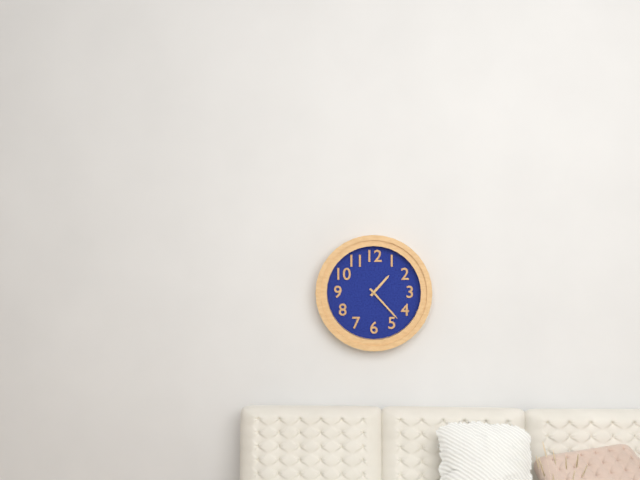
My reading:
**1:23**
